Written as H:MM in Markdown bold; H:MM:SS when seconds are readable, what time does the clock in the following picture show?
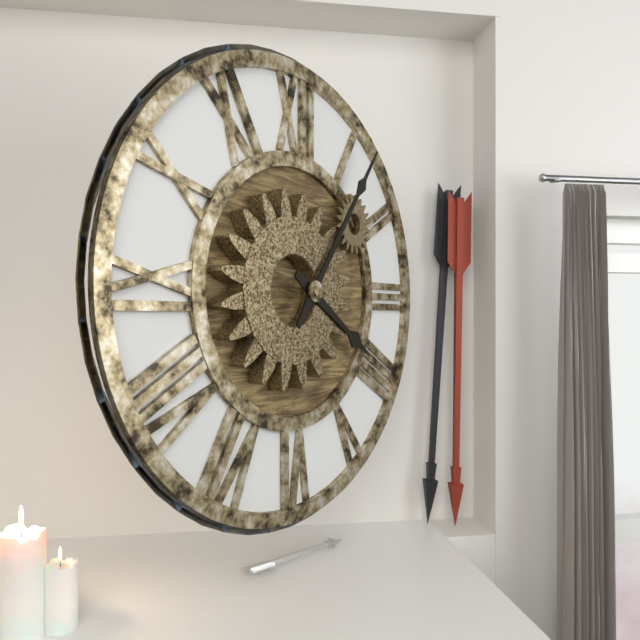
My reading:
**4:06**
